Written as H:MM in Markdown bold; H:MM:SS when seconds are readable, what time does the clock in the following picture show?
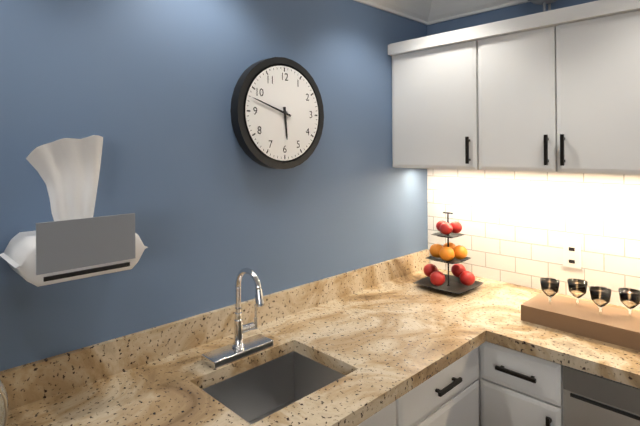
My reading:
**5:48**
